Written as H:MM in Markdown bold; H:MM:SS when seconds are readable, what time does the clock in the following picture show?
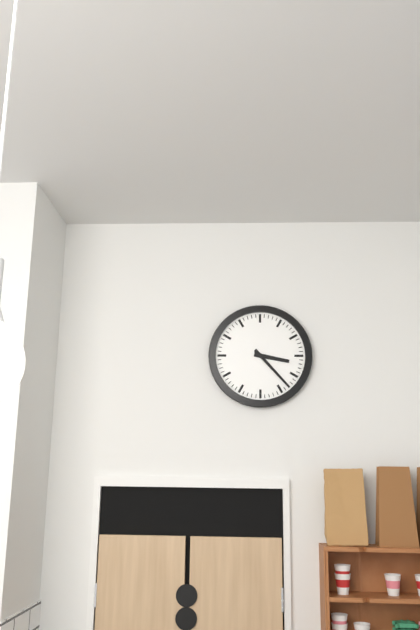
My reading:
**3:23**
